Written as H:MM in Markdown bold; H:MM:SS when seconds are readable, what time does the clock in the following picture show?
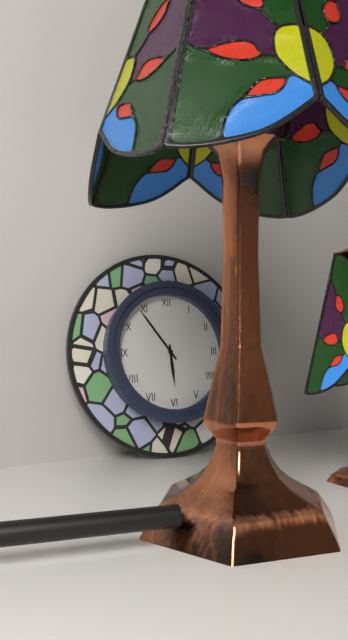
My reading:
**5:54**
